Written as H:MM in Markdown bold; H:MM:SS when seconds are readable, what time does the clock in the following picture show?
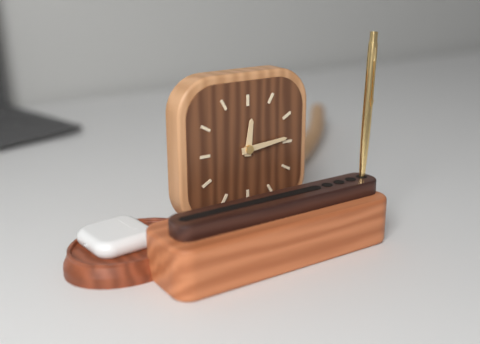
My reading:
**12:14**
